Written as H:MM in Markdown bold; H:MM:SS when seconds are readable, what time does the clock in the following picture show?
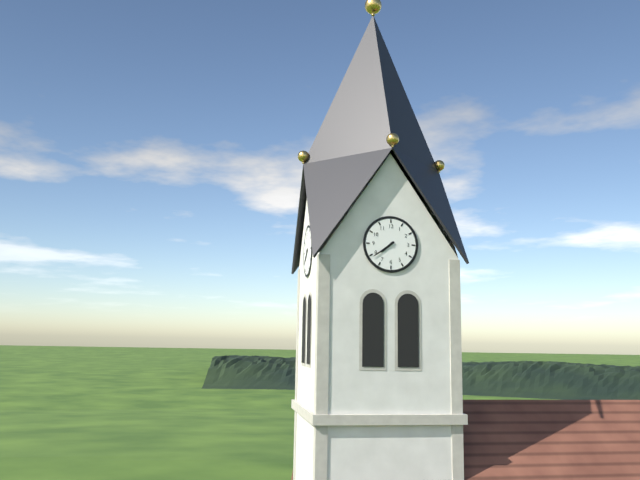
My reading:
**7:39**
